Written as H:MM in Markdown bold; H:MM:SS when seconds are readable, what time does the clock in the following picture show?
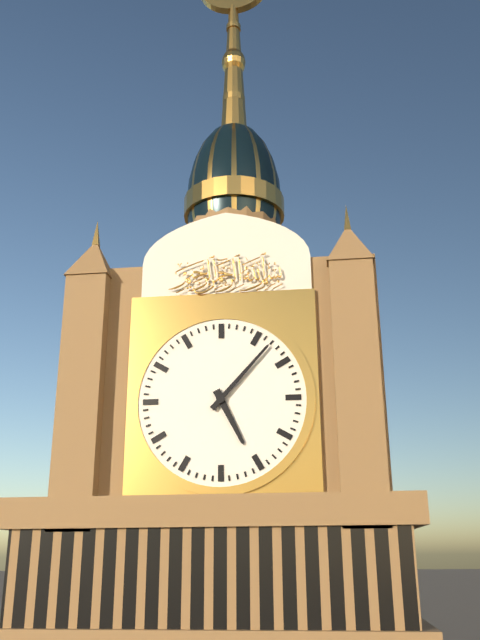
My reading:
**5:07**
